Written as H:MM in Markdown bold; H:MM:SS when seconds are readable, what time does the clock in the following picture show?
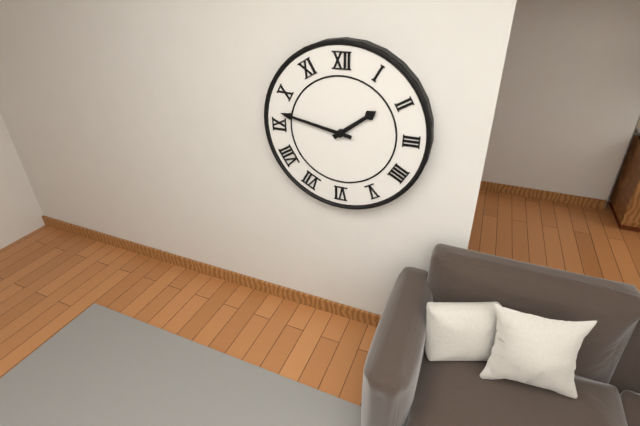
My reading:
**1:47**
